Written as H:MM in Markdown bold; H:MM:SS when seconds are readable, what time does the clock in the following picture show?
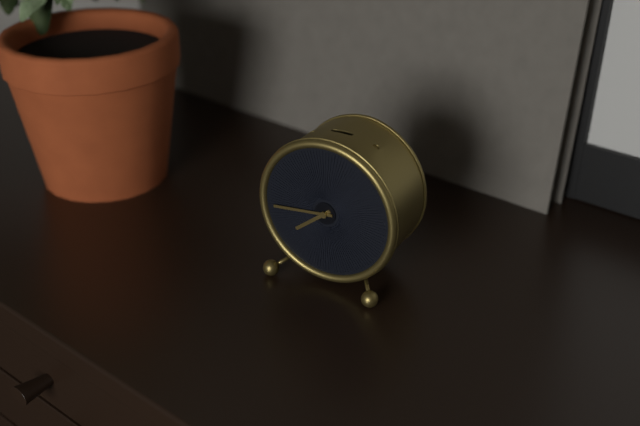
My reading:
**7:44**
